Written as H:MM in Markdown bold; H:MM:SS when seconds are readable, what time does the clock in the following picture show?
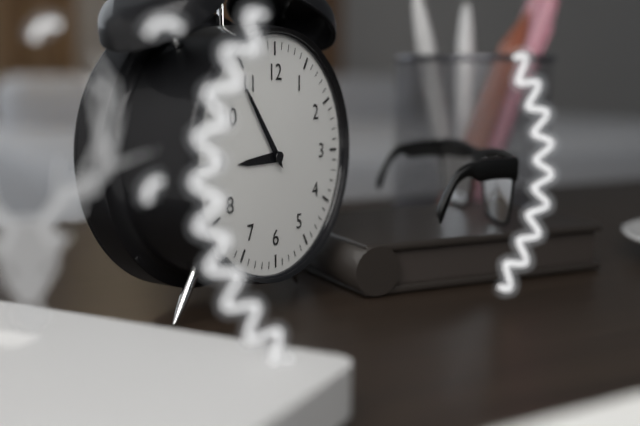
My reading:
**8:54**
